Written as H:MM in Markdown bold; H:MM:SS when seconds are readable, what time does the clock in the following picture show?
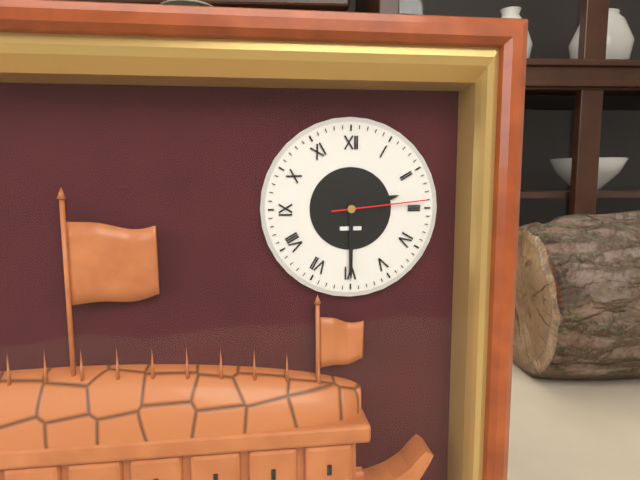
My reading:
**2:30:14**
